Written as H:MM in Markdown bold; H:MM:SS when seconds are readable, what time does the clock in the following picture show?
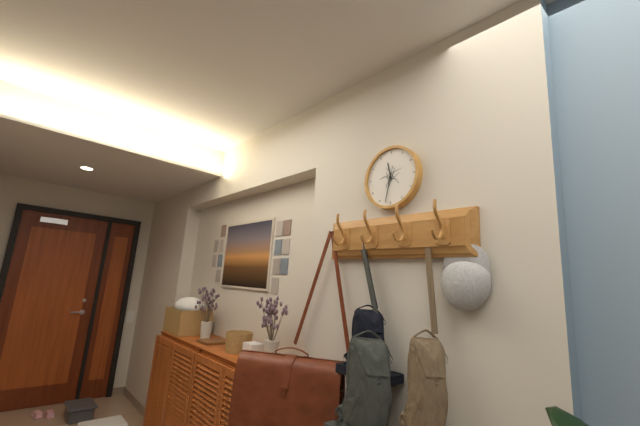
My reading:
**11:32**
